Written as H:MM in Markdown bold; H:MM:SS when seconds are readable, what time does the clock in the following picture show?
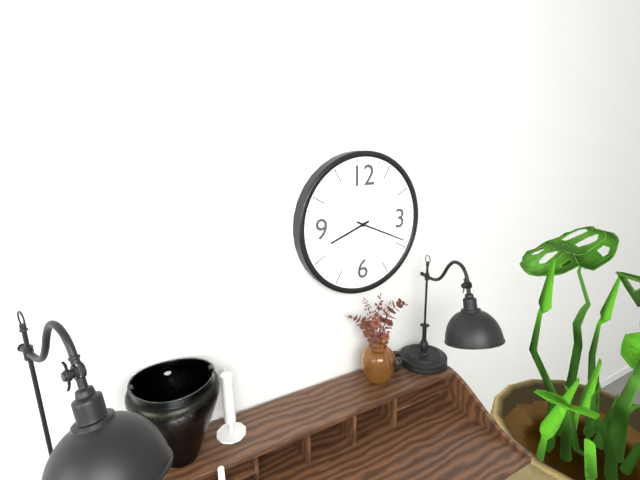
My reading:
**8:19**
